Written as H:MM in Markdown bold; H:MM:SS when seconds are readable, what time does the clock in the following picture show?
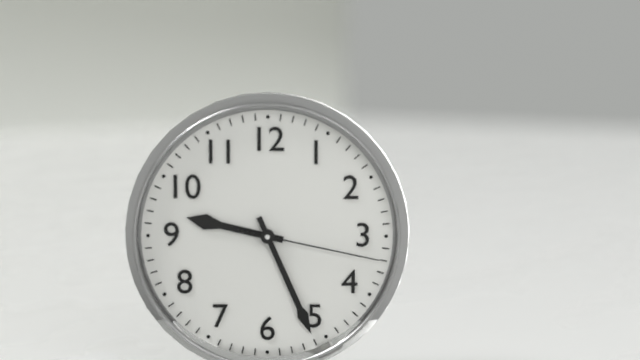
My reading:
**9:26:17**
